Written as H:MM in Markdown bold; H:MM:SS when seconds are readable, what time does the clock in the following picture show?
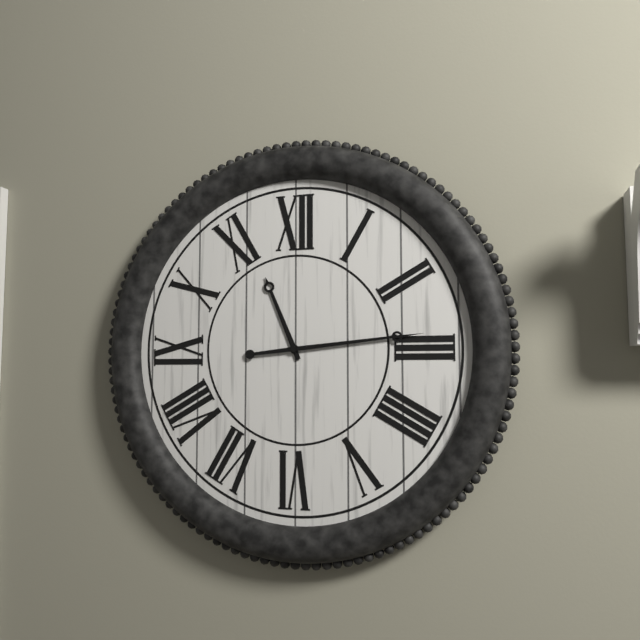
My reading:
**11:14**
